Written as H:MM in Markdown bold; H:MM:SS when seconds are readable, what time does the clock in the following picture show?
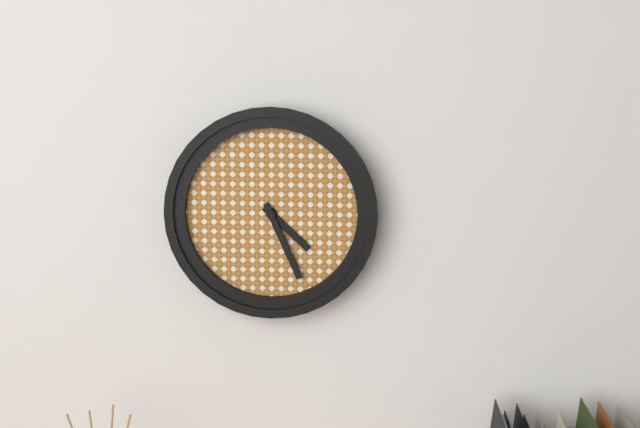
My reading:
**4:26**
